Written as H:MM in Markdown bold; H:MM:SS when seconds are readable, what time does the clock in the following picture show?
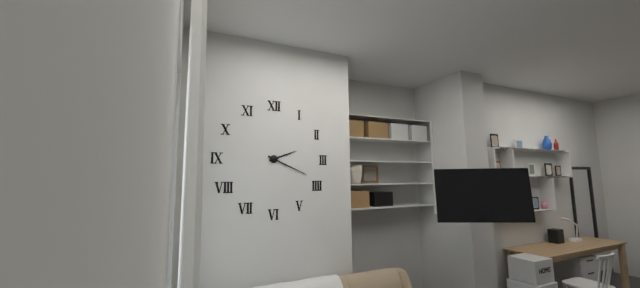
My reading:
**2:19**
